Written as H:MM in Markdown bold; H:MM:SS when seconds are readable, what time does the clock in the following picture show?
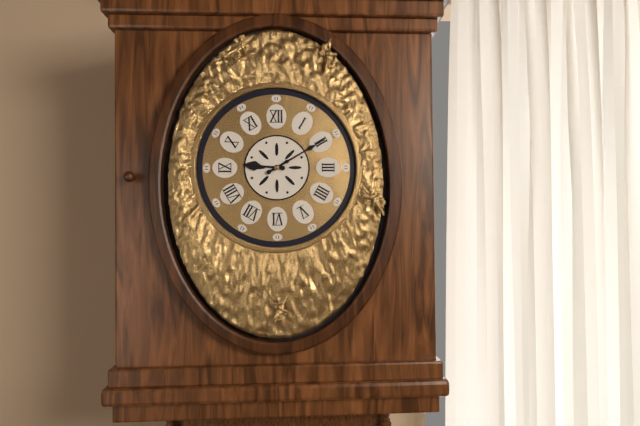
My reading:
**9:10**
